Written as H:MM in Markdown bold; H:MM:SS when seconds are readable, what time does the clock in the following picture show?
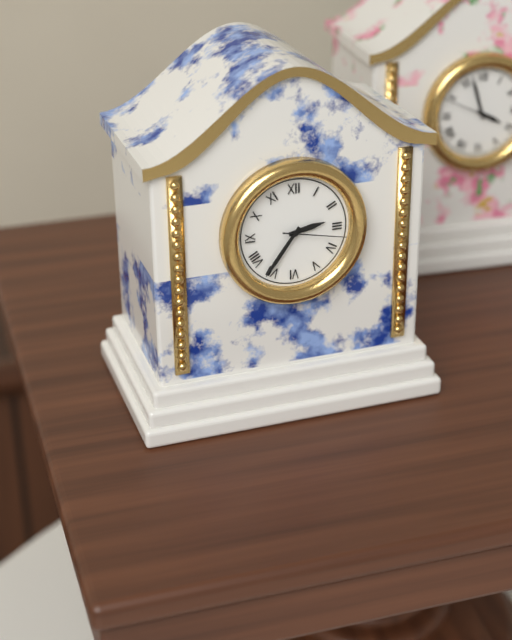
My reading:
**2:36:17**
